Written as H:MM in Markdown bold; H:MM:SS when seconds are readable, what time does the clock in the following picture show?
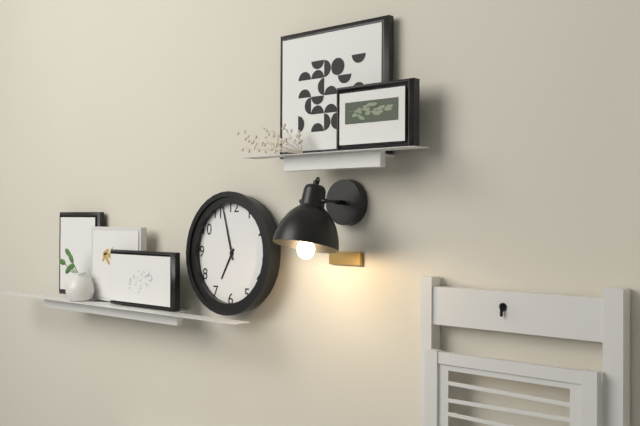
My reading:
**6:57**
